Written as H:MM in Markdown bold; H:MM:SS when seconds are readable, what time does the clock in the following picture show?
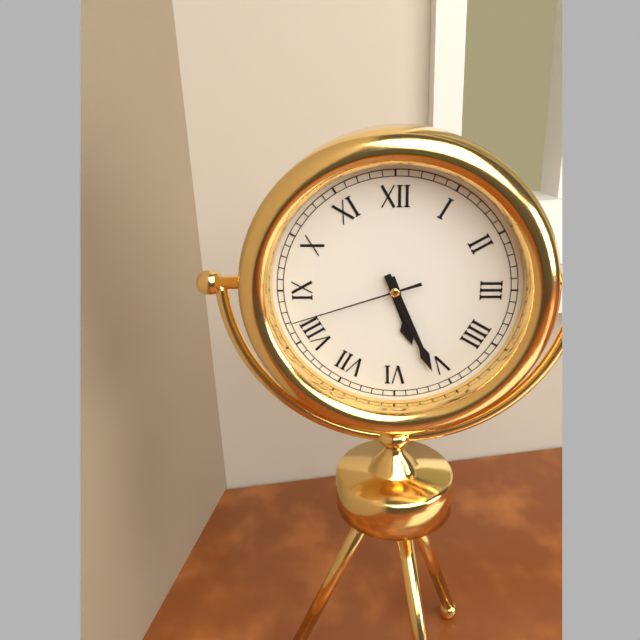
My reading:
**5:26:42**
